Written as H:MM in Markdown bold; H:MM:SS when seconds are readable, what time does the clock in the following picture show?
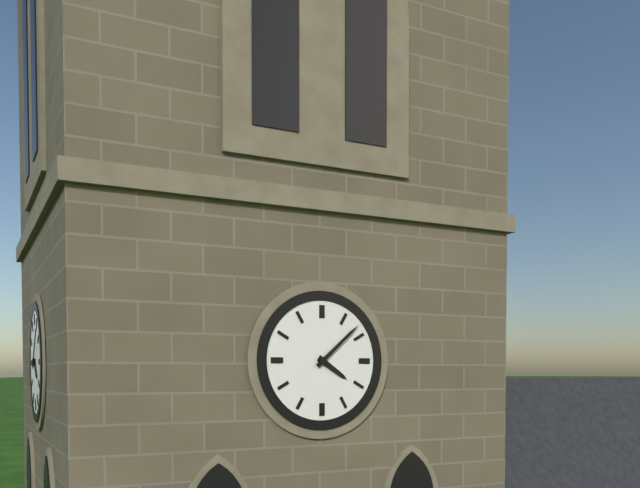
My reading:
**4:08**
